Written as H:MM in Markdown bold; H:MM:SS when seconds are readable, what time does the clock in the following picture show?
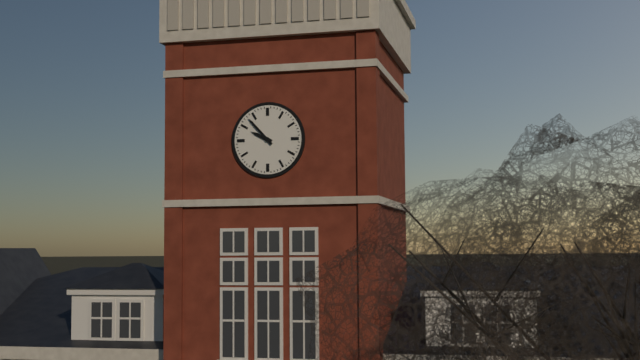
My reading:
**9:53**
